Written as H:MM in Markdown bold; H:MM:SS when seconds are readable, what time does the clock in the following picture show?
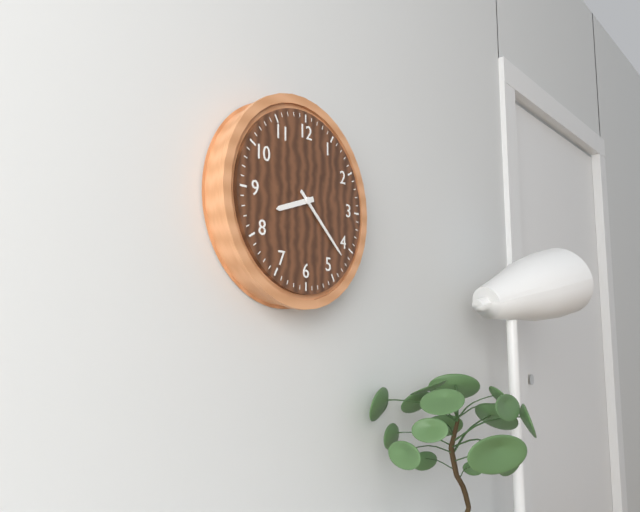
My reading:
**8:22**
